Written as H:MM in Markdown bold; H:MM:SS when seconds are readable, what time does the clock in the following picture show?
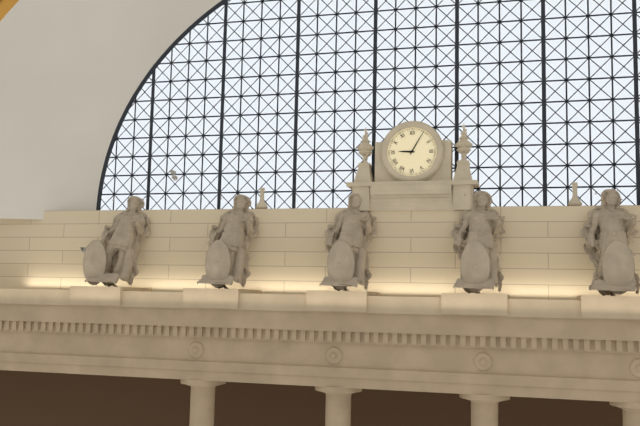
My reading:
**9:05**
